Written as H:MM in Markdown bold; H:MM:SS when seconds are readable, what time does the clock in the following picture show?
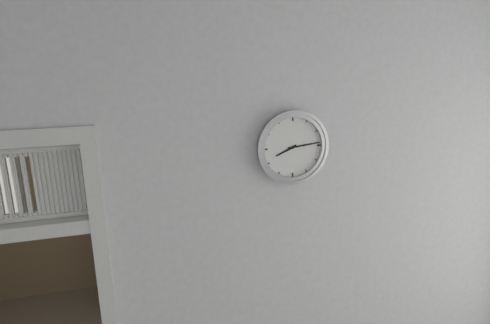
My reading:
**8:14**
